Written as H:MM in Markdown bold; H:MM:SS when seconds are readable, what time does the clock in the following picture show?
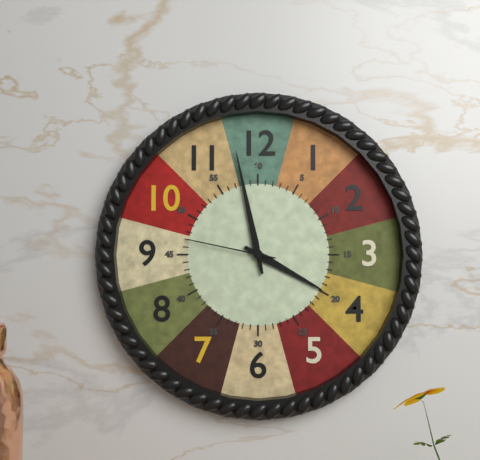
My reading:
**3:58:47**
